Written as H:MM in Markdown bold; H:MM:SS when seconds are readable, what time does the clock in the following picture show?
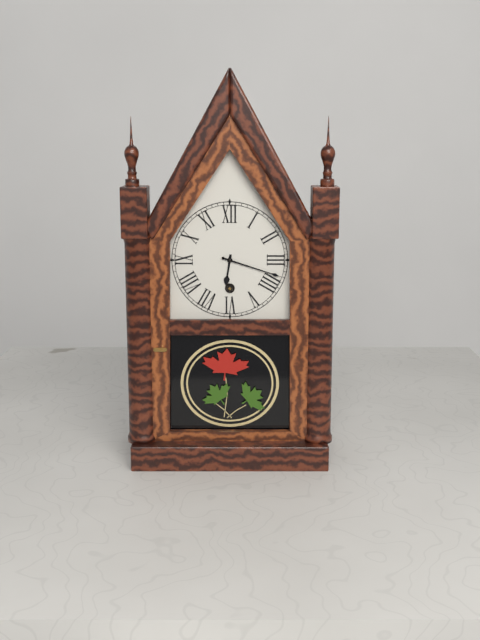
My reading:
**6:18**
